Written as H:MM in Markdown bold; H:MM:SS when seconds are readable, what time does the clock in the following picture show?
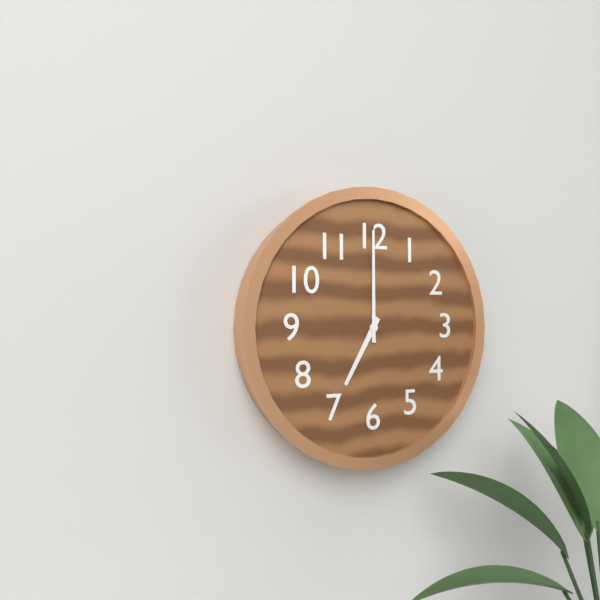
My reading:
**7:00**
